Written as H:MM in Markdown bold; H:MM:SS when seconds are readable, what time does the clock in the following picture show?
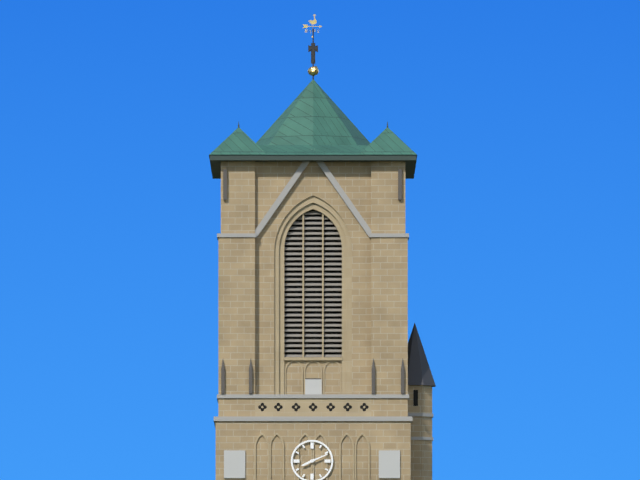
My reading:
**8:11**
